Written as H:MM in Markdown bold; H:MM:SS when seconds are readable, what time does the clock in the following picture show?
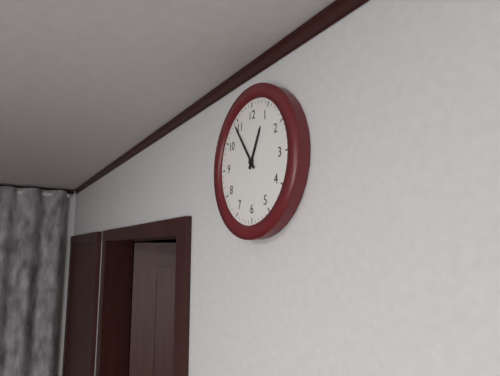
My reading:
**12:54**
